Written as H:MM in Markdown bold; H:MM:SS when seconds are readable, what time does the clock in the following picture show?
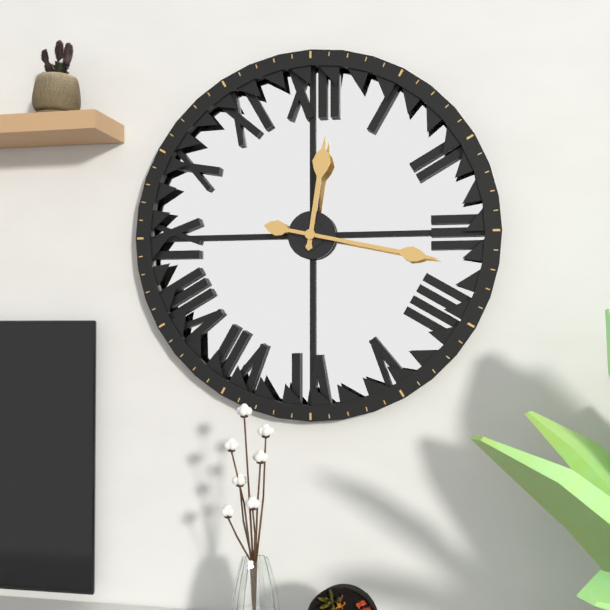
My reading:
**12:17**
